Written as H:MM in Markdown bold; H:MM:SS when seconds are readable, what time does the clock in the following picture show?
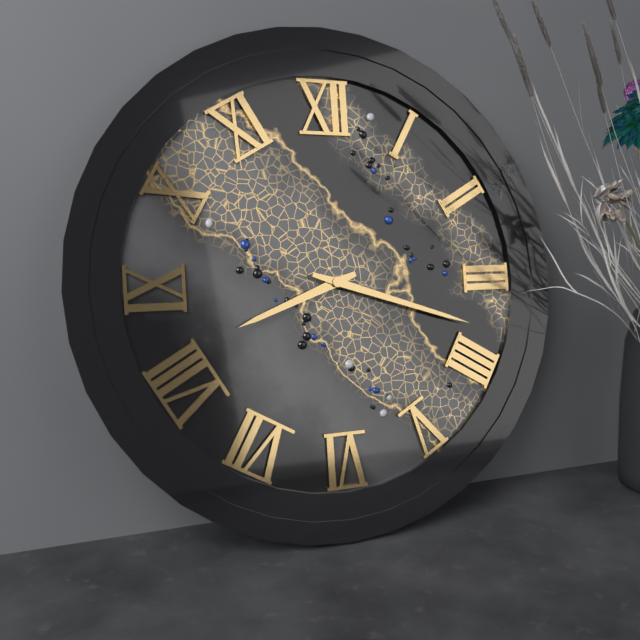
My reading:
**8:18**
